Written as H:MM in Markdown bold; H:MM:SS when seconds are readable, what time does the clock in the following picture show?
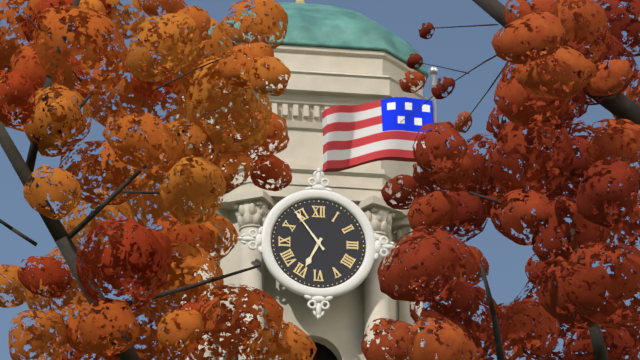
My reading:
**6:54**
